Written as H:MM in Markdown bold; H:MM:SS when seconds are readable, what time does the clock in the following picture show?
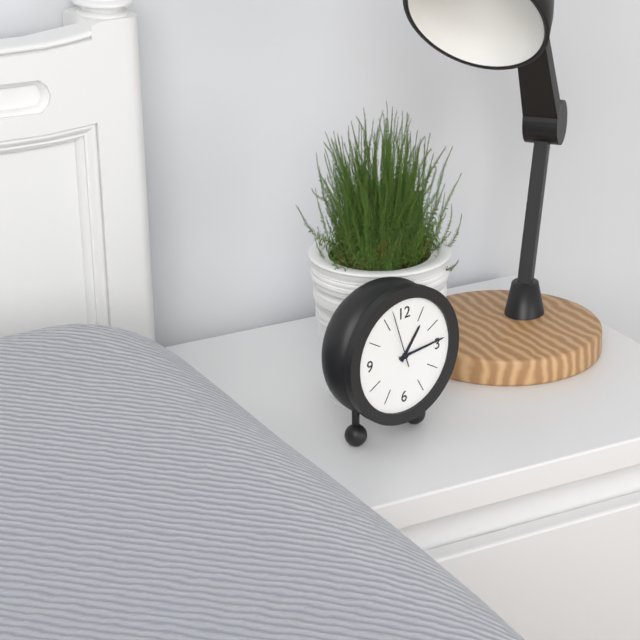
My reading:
**1:14:57**
